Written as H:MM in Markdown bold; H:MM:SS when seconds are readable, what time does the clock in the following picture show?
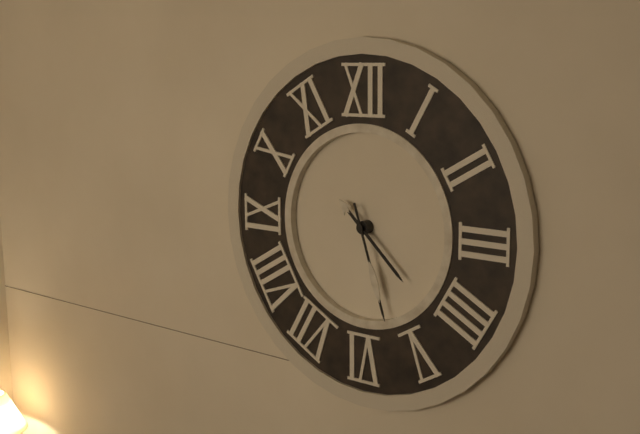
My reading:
**4:27**
